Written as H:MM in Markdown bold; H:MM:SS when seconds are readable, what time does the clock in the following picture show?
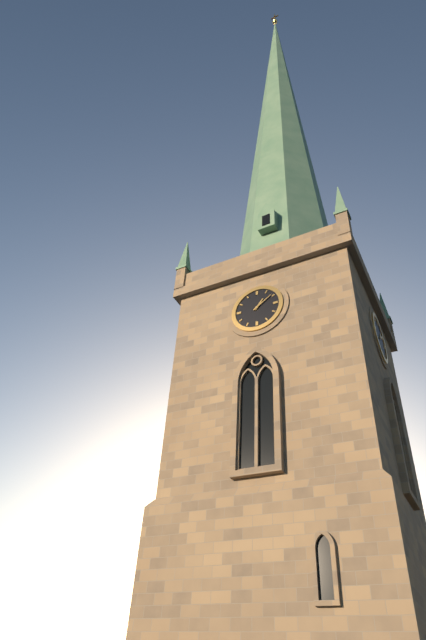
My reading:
**1:09**
